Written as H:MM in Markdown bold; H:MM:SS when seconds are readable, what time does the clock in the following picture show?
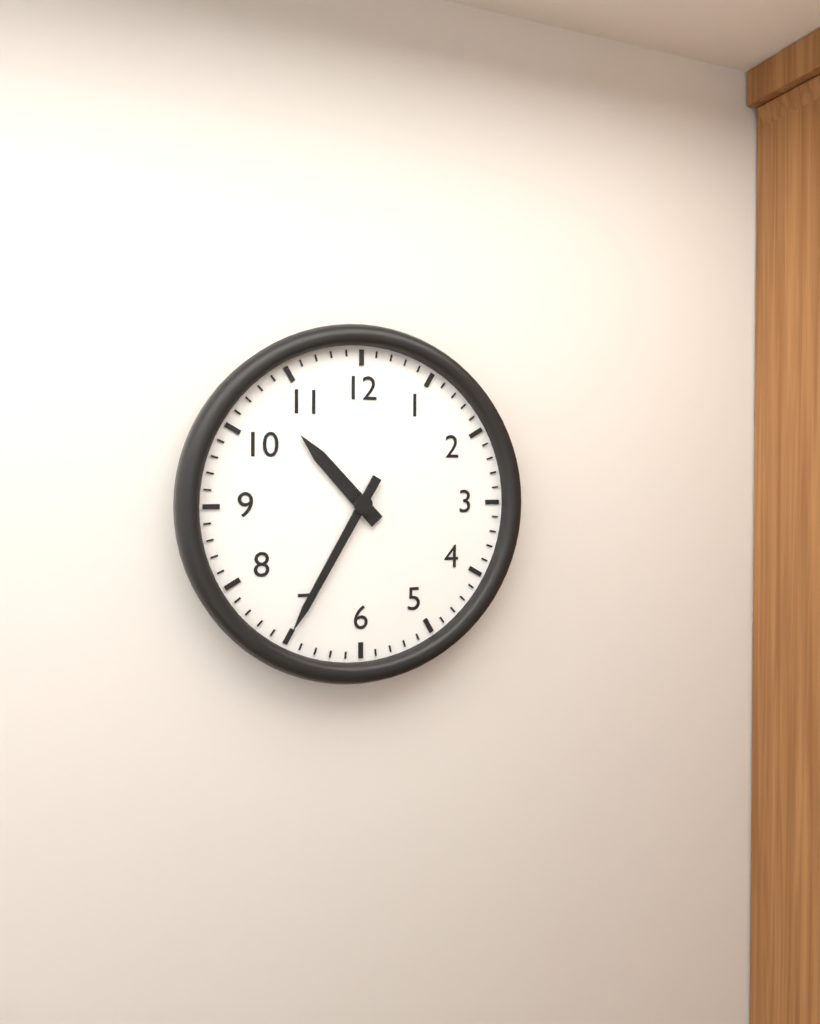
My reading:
**10:35**
